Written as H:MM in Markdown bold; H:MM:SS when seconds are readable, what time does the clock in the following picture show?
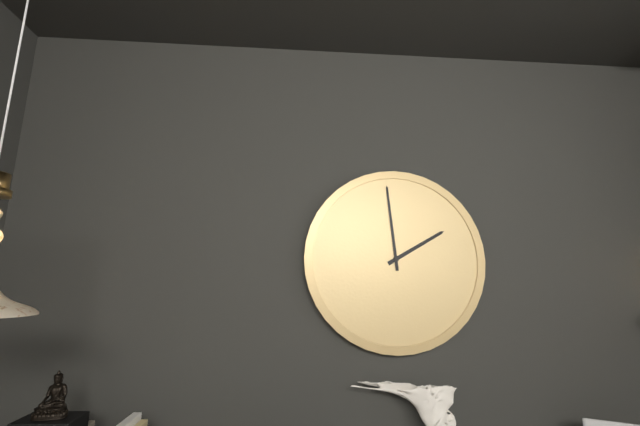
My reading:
**1:59**
